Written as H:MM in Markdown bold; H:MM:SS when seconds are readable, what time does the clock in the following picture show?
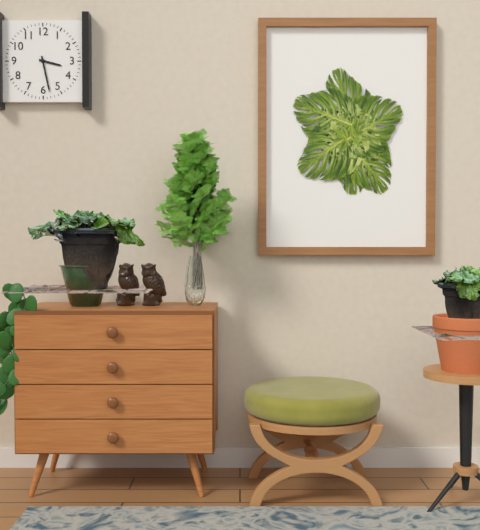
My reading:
**3:28**
